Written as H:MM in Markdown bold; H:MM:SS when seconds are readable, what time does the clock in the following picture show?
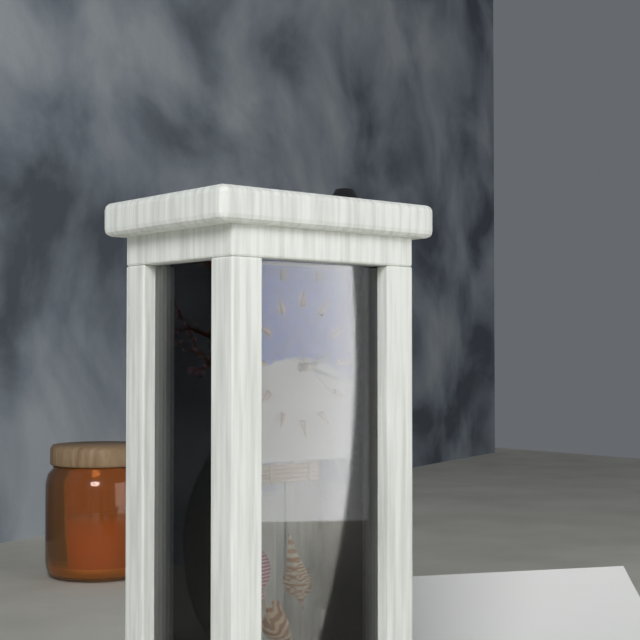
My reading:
**2:18:22**
